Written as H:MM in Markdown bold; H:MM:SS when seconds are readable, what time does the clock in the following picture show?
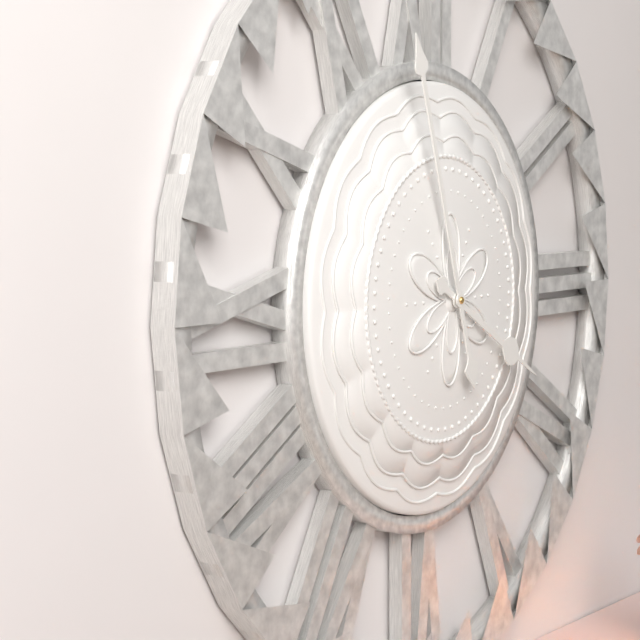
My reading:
**3:57**
